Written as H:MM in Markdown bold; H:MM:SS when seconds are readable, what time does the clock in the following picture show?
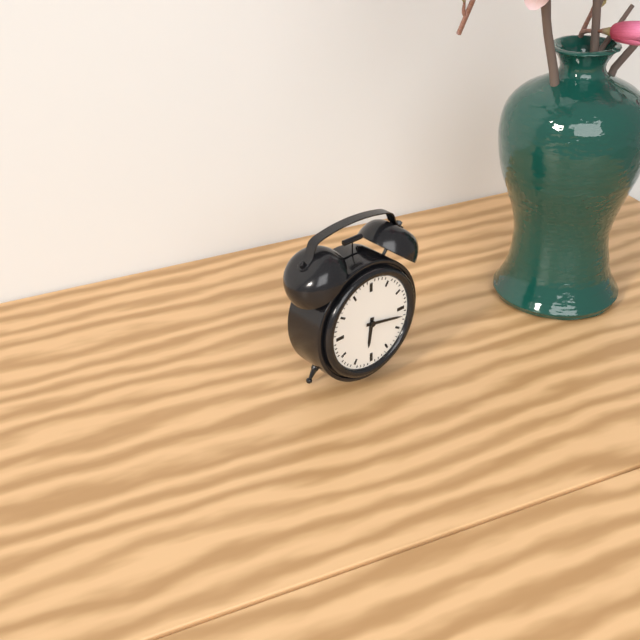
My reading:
**6:17**
